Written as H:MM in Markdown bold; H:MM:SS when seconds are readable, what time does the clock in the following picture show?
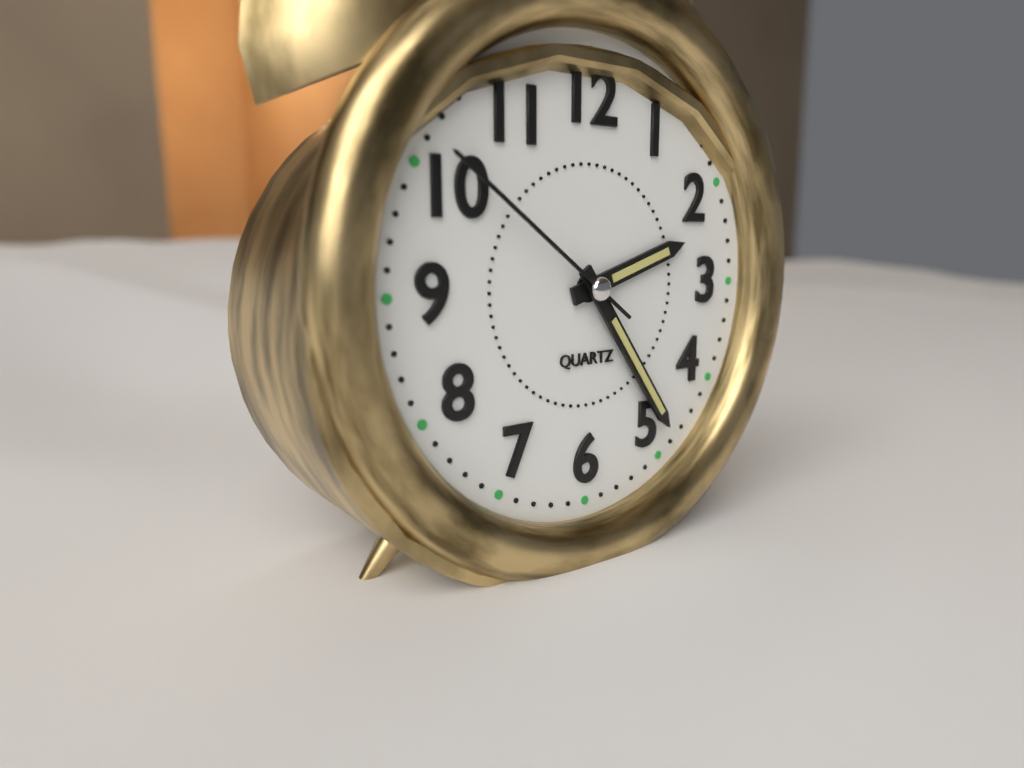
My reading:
**2:24:51**
